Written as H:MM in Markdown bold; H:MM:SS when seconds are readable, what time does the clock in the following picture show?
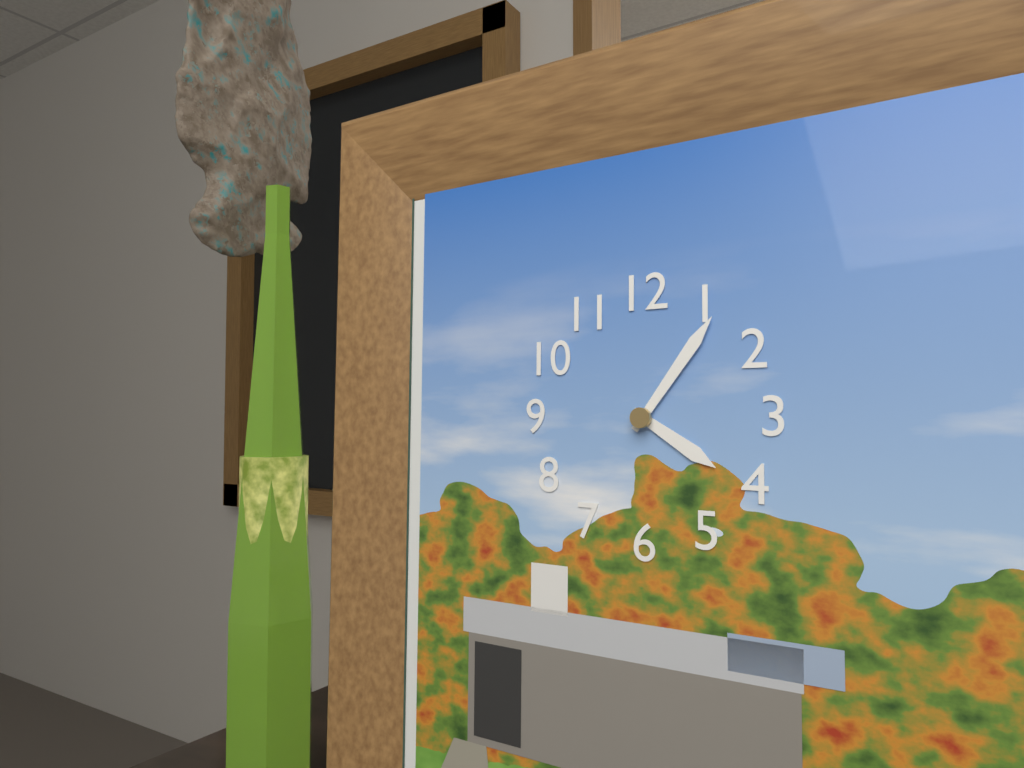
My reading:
**4:06**
